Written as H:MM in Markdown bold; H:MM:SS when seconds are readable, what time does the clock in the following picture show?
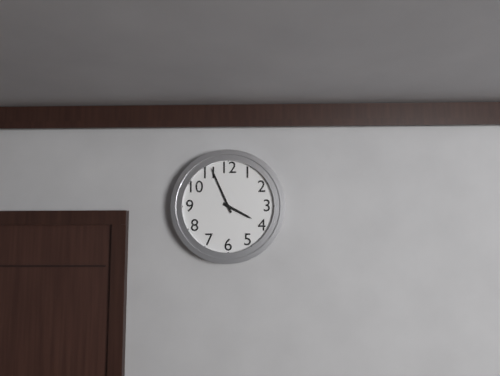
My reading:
**3:56**
